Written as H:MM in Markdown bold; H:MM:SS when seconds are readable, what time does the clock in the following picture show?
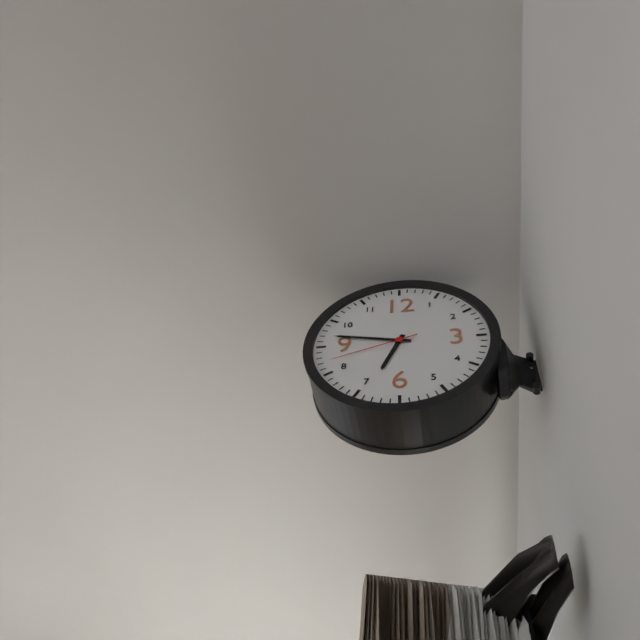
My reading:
**6:47:42**
